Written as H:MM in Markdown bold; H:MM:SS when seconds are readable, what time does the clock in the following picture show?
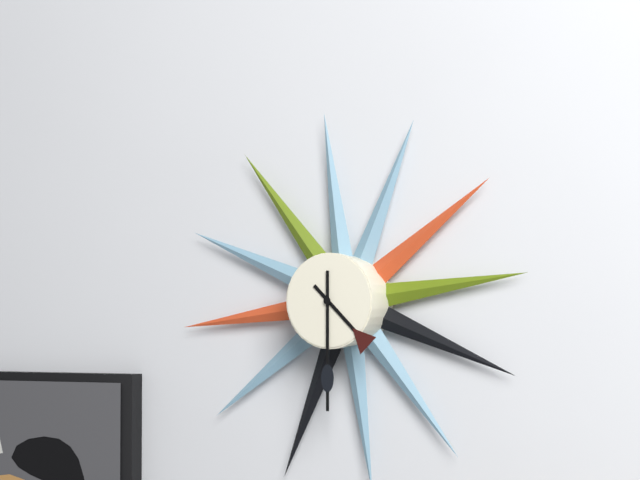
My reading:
**4:30**
